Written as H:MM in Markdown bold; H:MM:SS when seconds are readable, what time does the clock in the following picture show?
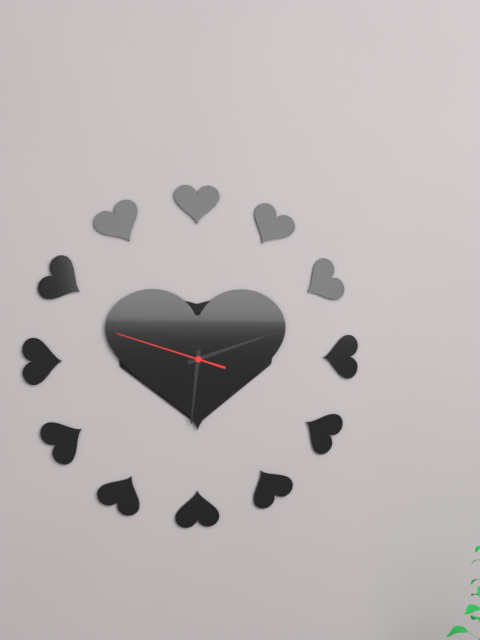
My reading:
**6:12:48**
